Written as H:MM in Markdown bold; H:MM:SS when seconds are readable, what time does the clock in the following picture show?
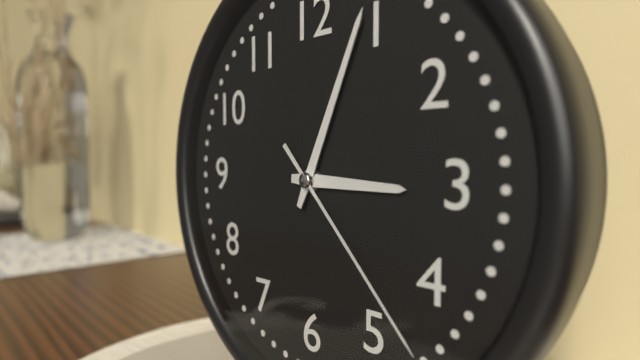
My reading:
**3:04:23**
